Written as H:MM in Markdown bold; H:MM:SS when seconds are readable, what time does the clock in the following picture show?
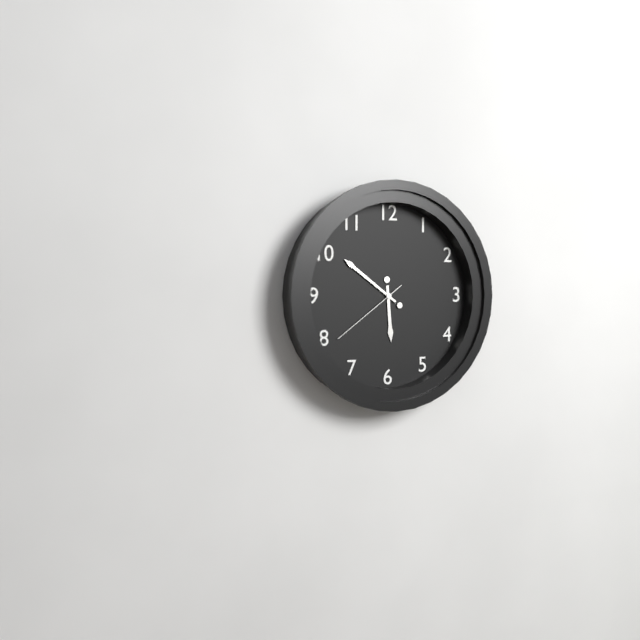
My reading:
**5:51:39**
